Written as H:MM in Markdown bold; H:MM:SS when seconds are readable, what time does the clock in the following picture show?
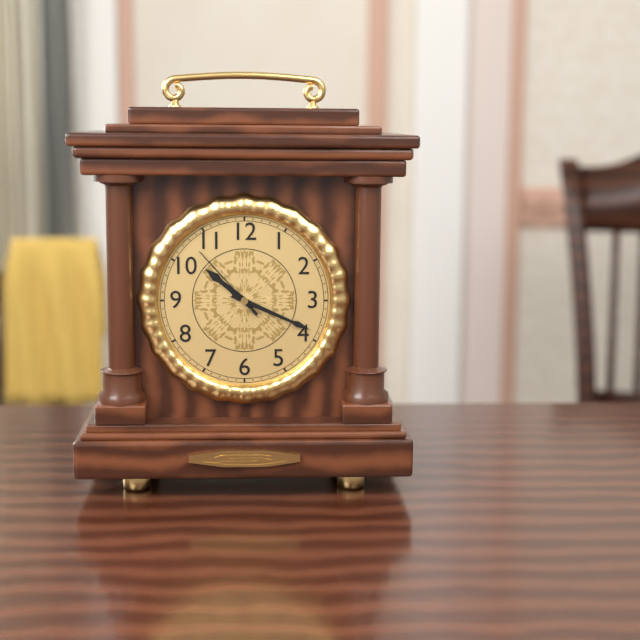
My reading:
**10:19:53**
